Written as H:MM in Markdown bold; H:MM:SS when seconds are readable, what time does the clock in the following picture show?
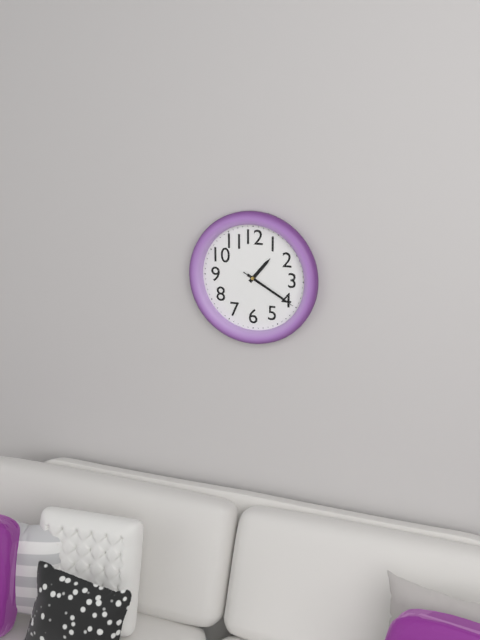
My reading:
**1:20:20**
